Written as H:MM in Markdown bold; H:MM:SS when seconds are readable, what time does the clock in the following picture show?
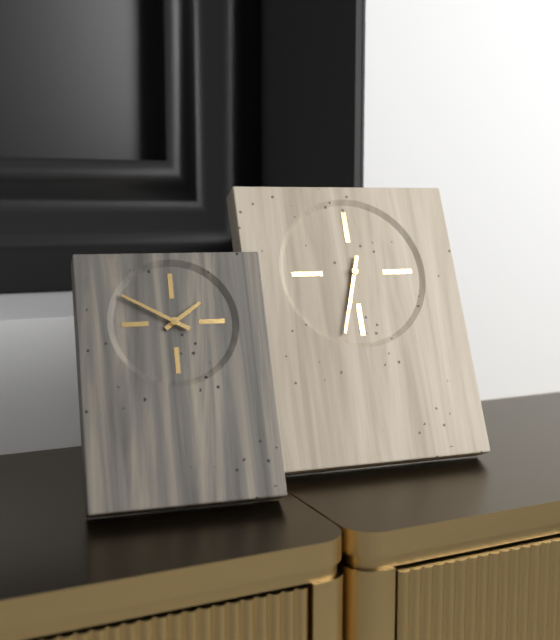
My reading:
**6:33**
